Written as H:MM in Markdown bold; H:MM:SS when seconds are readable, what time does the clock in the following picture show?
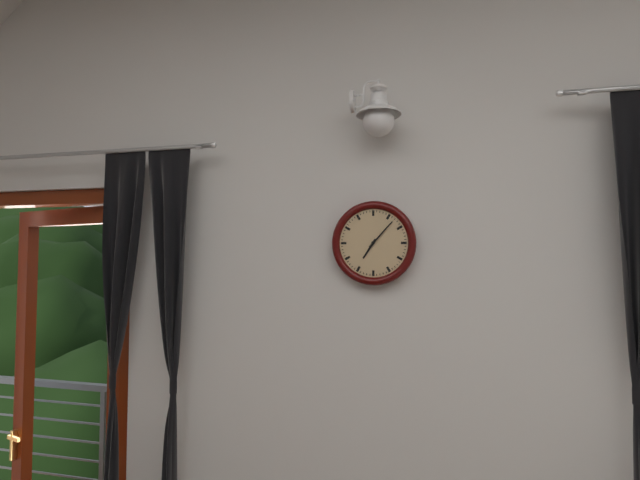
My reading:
**7:07**
